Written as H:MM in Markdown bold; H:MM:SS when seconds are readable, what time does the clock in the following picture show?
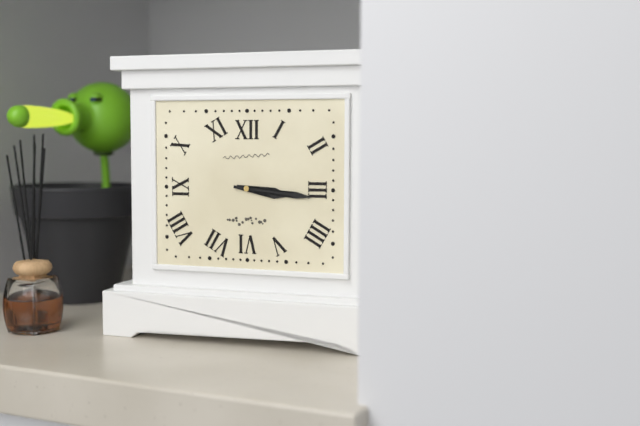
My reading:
**3:16**
